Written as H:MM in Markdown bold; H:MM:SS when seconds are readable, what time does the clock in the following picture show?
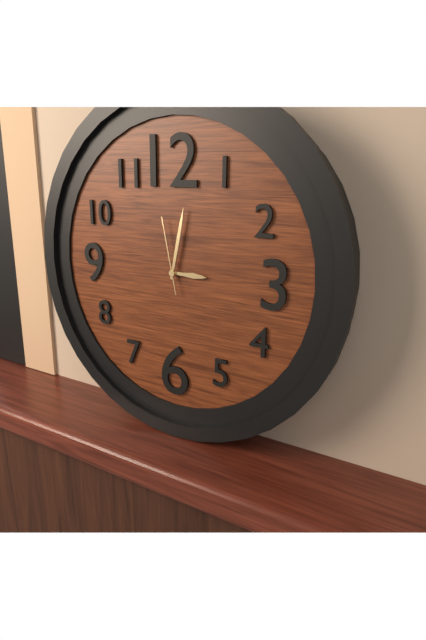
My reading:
**3:02:58**
